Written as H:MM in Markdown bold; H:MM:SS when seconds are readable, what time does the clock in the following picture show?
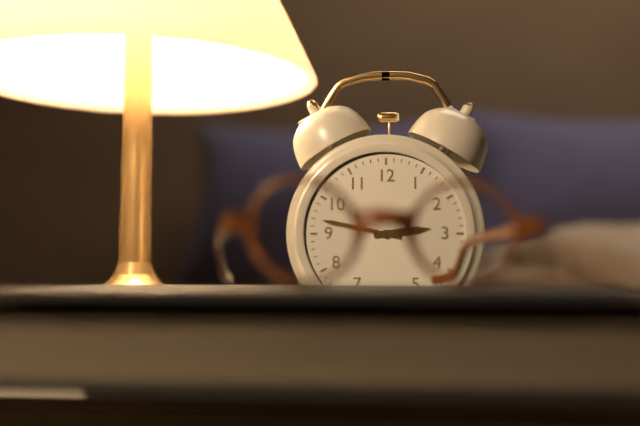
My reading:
**2:47**
